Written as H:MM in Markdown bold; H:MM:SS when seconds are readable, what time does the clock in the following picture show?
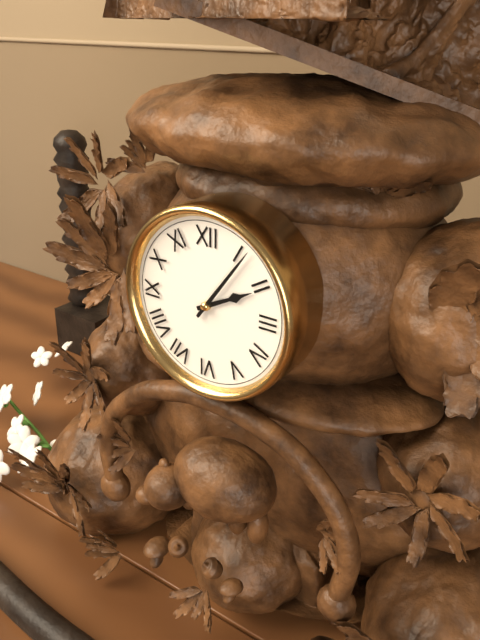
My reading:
**2:06**
